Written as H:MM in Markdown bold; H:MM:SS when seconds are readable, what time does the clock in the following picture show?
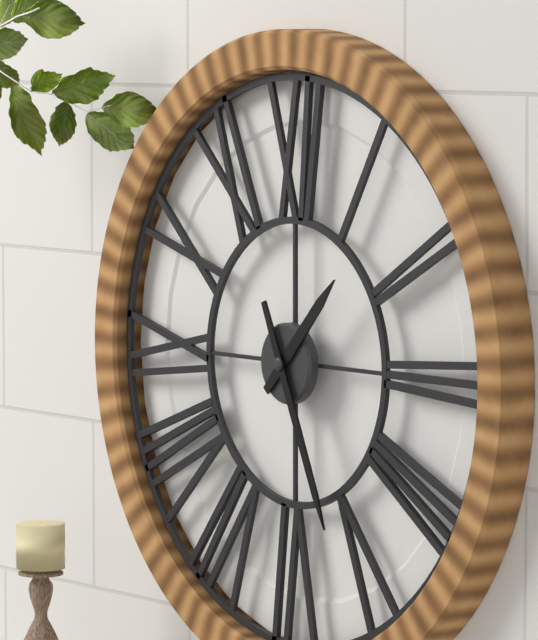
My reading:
**1:26**
